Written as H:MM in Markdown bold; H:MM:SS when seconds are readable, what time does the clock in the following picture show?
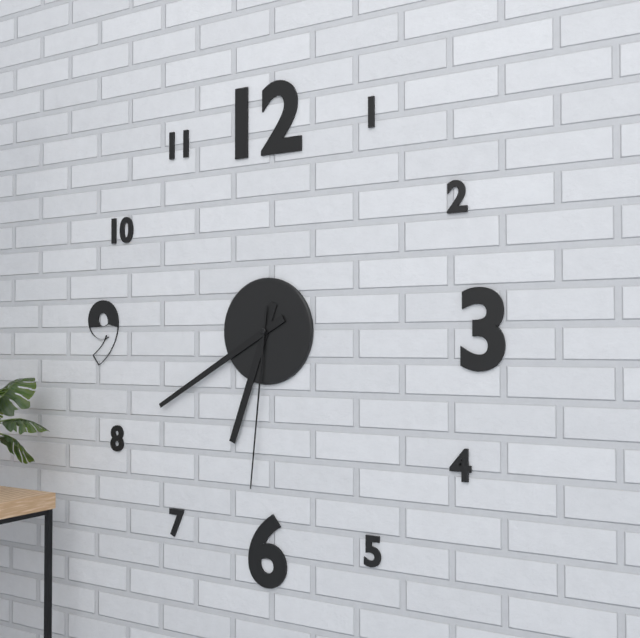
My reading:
**6:40:31**
